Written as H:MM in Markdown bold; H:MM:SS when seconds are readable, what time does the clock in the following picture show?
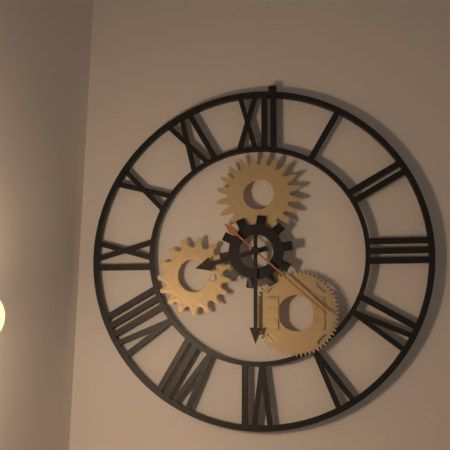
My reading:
**8:30:22**
